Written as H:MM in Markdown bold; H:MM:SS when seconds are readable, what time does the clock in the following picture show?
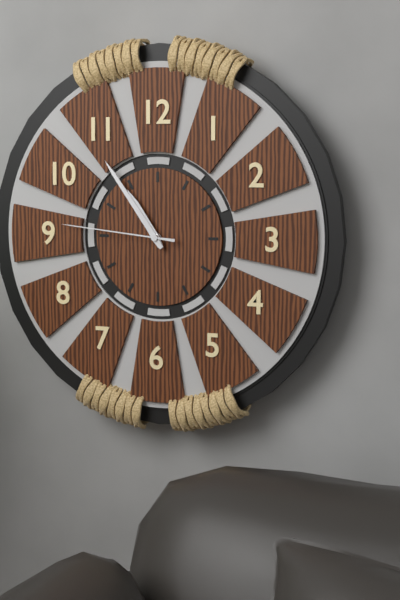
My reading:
**10:54:46**
